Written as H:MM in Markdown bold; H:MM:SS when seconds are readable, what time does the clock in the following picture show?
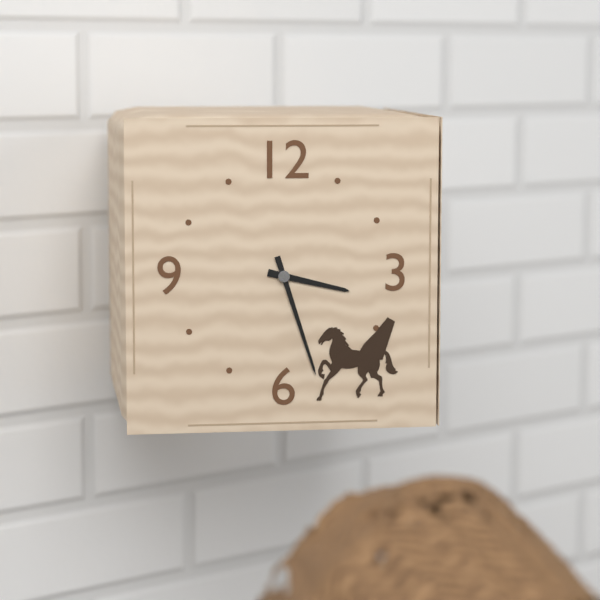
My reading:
**3:27**
